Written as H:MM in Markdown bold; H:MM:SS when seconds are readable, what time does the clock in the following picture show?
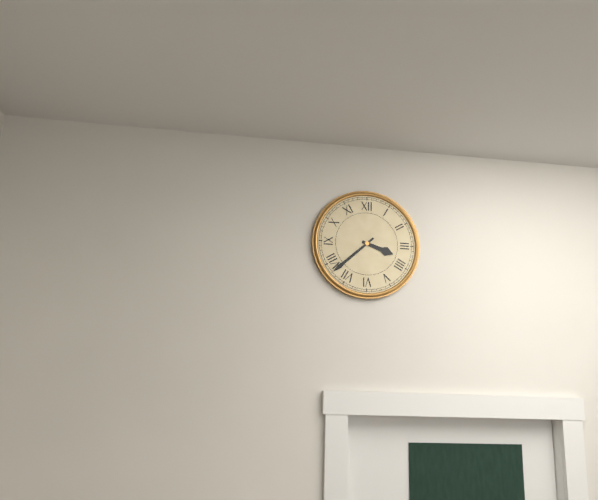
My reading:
**3:38**
